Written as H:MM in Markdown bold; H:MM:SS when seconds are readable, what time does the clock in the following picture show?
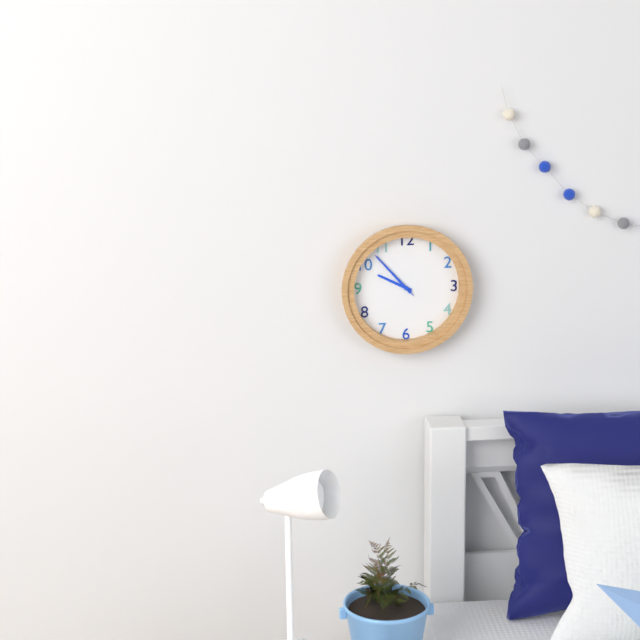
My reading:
**9:53:53**
